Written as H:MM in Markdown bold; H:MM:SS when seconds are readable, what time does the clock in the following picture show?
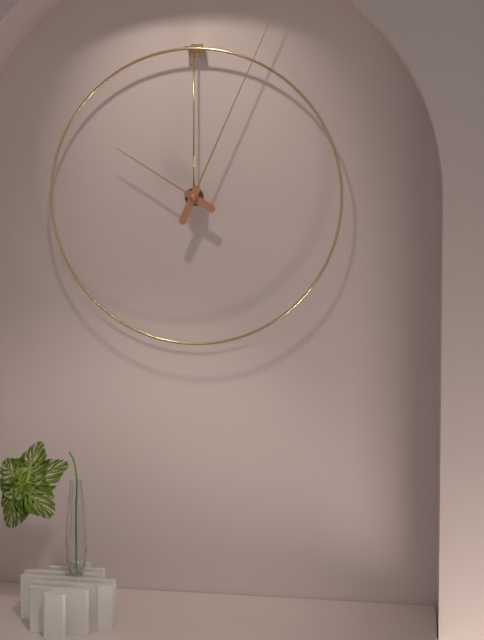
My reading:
**10:04**
